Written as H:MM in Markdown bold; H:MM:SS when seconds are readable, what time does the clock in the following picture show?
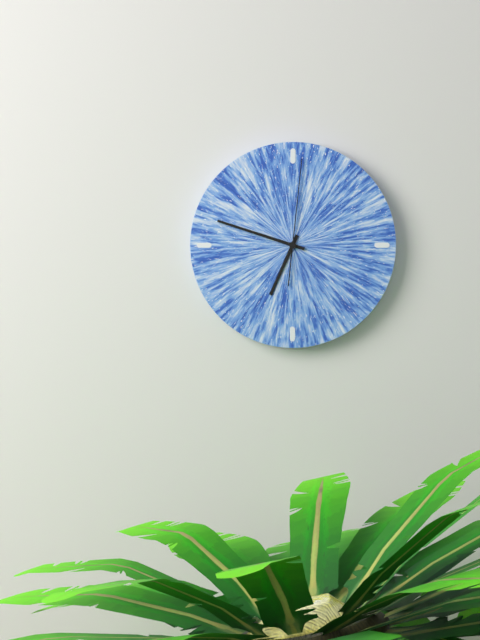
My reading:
**6:48:01**
